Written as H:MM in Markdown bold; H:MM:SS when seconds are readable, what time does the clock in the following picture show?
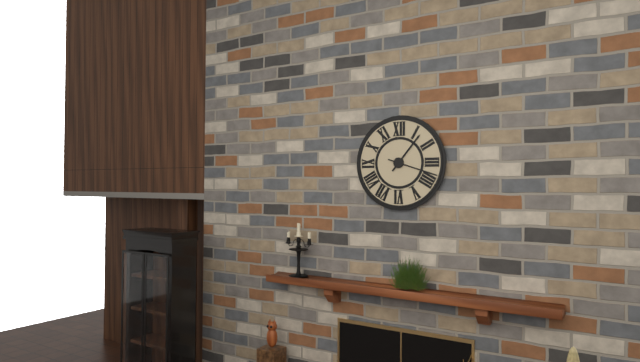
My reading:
**1:18**
